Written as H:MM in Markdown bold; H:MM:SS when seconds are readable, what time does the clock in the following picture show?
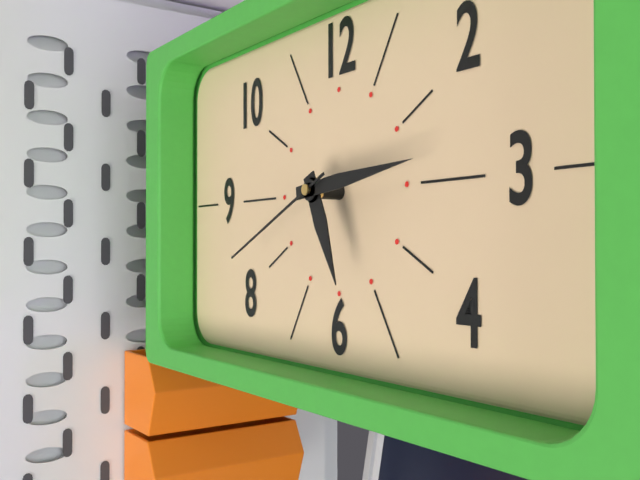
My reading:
**5:14:41**
